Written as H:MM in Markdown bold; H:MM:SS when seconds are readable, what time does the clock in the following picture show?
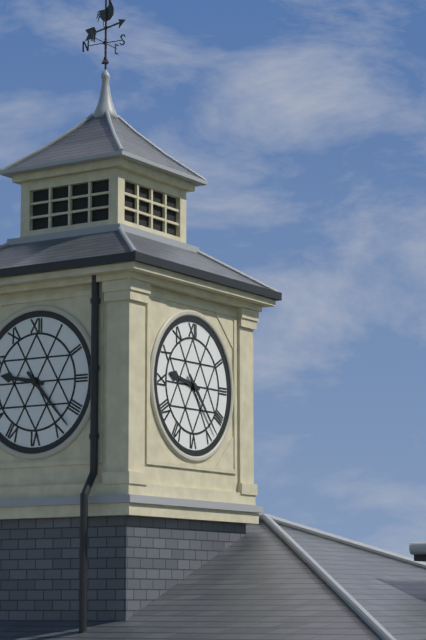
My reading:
**9:23**
